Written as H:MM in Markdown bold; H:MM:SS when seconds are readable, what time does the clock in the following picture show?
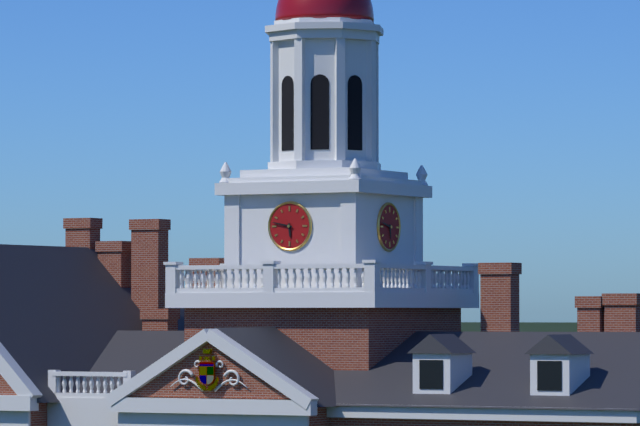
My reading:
**5:47**
